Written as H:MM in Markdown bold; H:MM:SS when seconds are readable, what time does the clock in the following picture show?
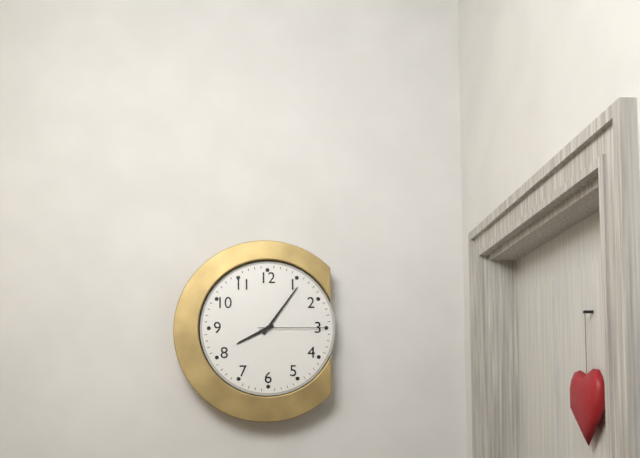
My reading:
**8:06:15**
